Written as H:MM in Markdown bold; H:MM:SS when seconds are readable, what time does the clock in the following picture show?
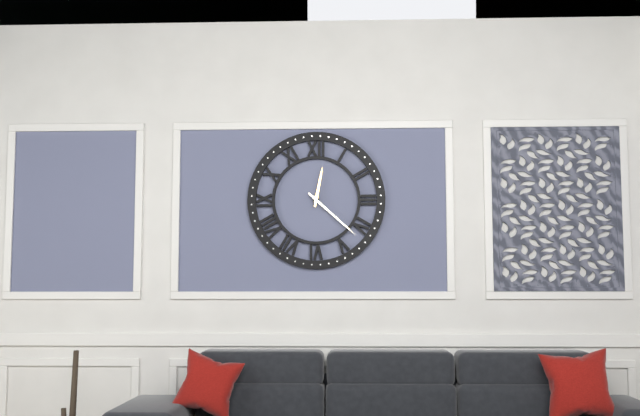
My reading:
**12:22**
